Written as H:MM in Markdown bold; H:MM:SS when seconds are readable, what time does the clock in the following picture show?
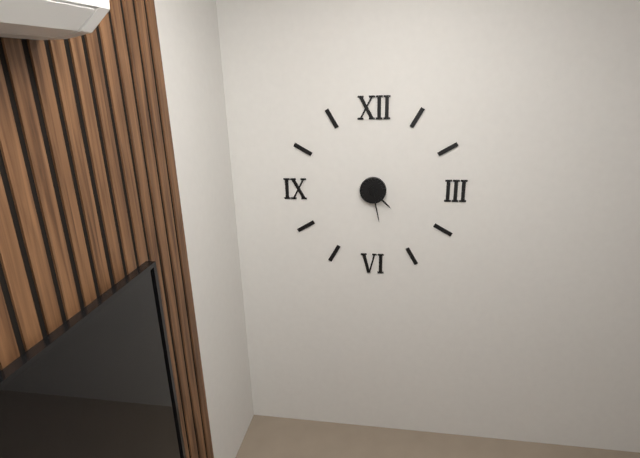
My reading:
**4:28**
